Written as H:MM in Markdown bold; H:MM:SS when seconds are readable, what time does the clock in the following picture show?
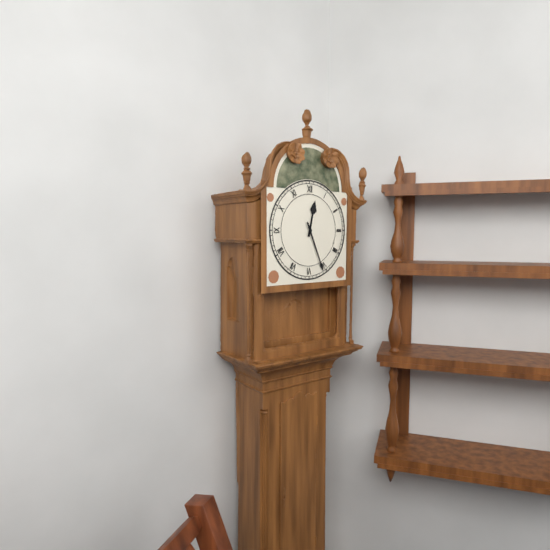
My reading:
**12:26**
